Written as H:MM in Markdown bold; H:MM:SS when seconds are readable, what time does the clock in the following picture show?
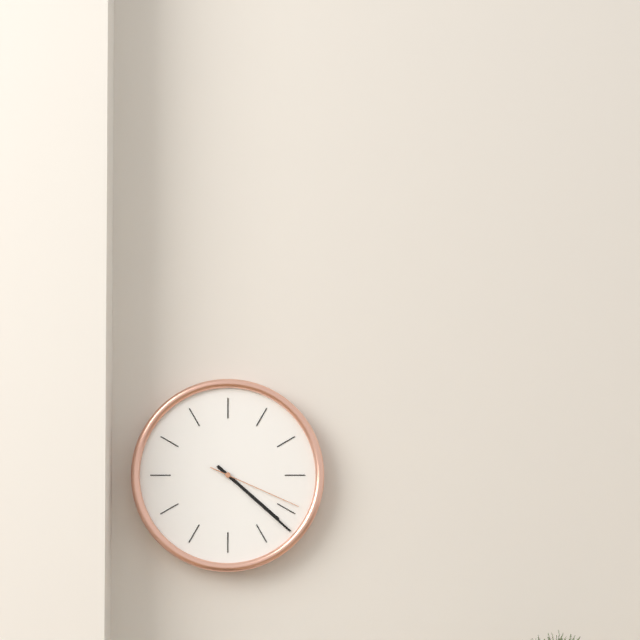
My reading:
**4:22:19**
